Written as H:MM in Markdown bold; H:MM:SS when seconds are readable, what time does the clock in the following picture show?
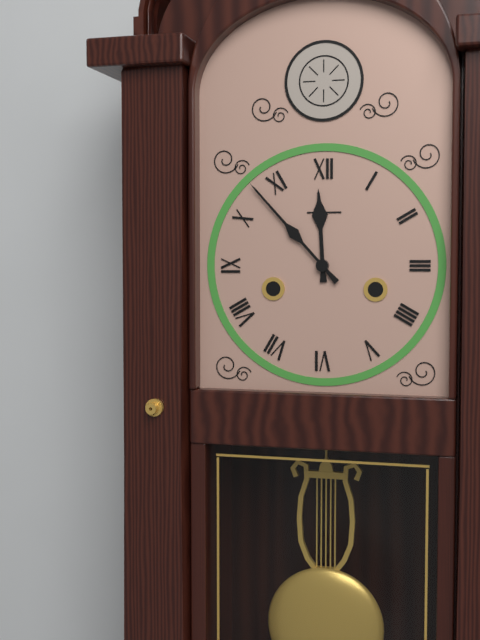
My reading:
**11:53**
